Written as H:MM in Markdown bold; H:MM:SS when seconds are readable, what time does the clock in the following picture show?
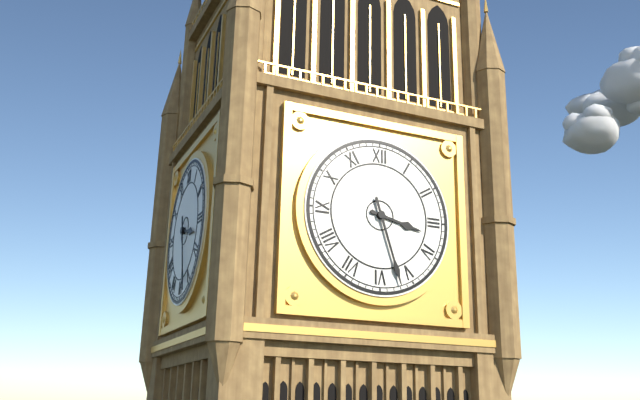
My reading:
**3:27**
